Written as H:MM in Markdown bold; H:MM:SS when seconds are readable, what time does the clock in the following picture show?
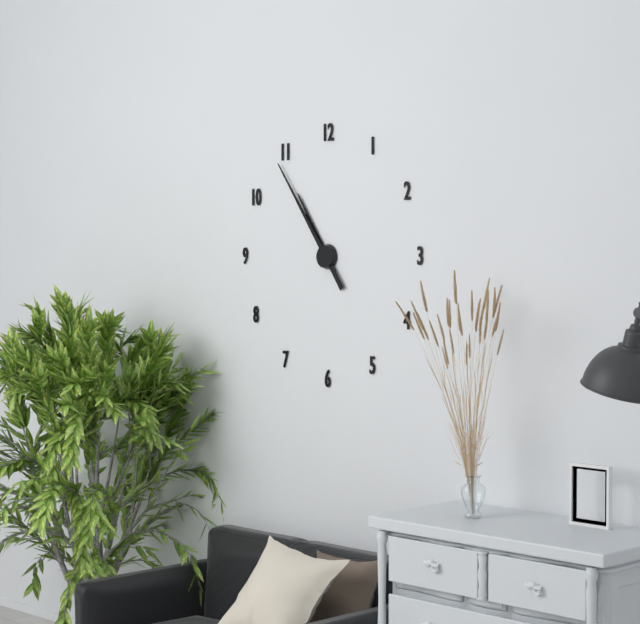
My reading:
**10:54**
